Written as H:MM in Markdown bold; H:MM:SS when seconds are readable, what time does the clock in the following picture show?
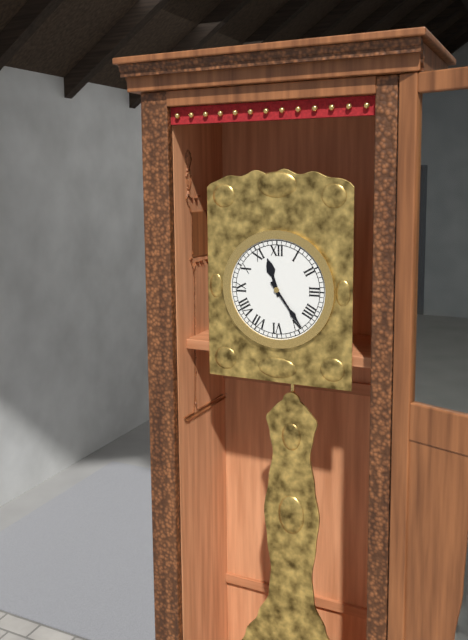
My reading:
**11:24**
